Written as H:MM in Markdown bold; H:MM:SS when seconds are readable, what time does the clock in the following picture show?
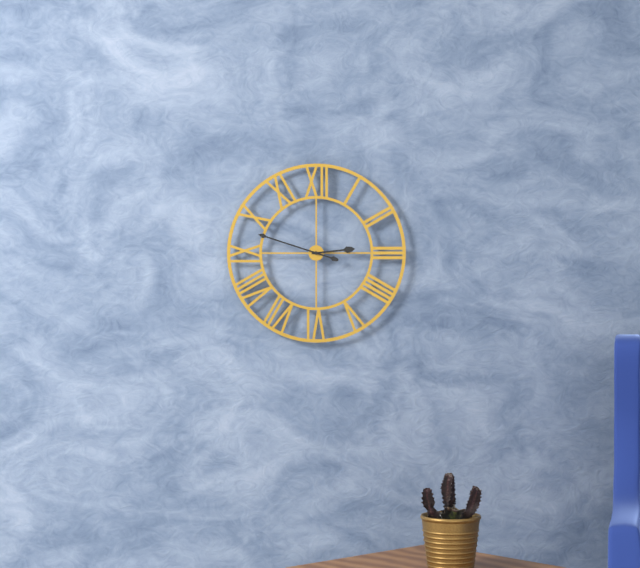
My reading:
**2:48**
